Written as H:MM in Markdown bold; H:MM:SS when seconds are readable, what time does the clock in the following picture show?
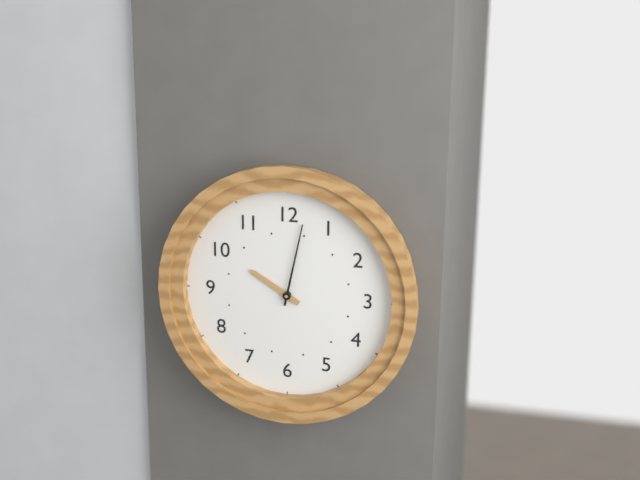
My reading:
**10:02**
